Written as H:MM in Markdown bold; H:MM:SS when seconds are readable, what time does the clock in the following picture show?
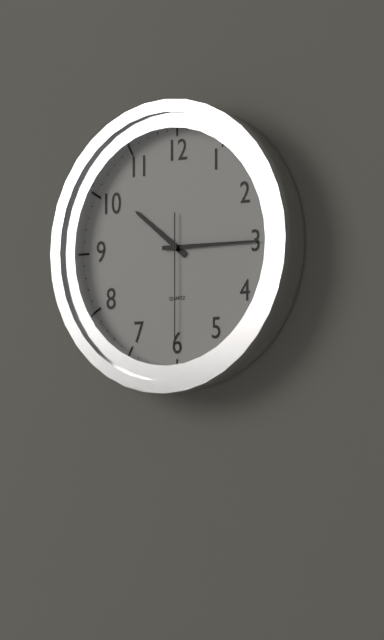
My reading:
**10:15:30**
